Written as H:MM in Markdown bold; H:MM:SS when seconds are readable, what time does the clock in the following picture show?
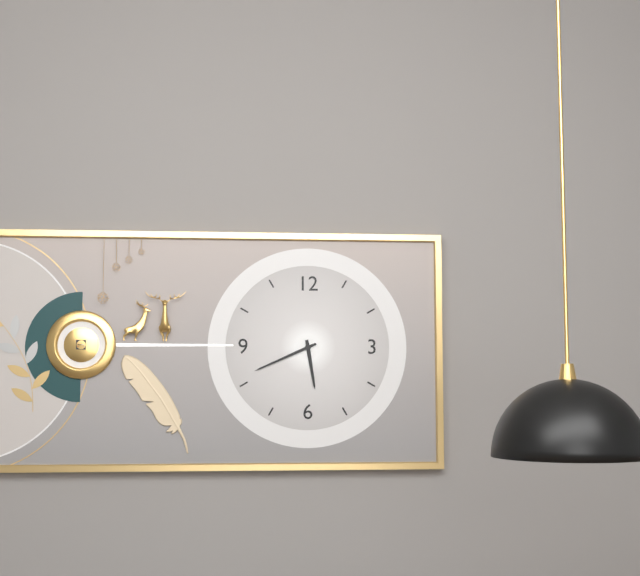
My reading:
**5:41**
